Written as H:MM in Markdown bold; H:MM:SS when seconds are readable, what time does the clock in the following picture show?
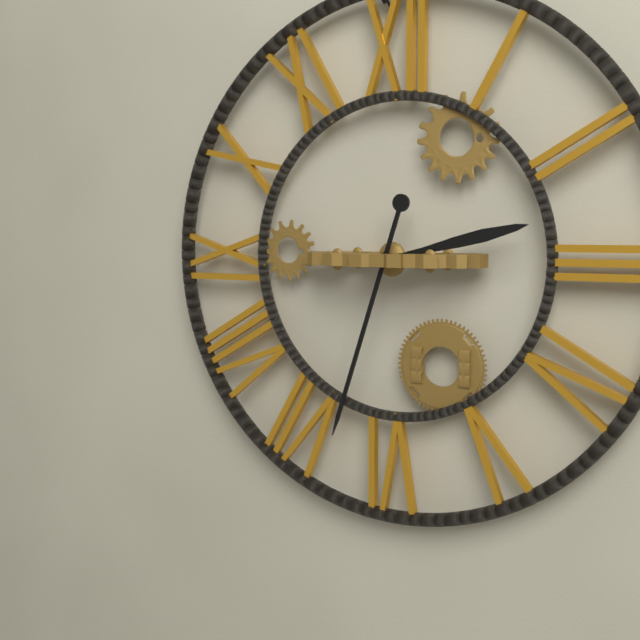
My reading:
**2:33**
